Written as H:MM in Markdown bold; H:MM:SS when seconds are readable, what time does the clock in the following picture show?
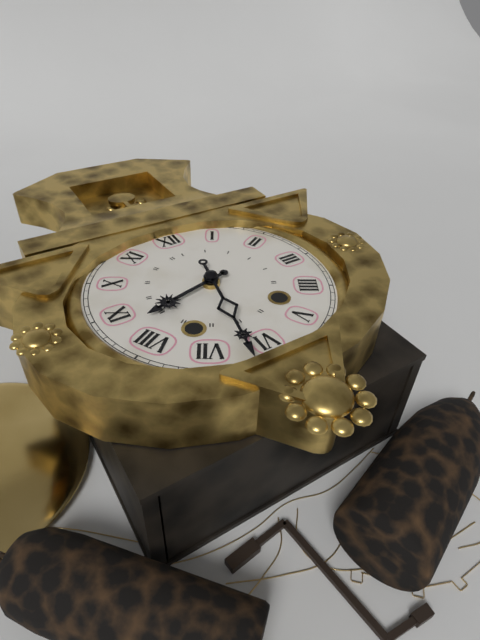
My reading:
**8:32**
